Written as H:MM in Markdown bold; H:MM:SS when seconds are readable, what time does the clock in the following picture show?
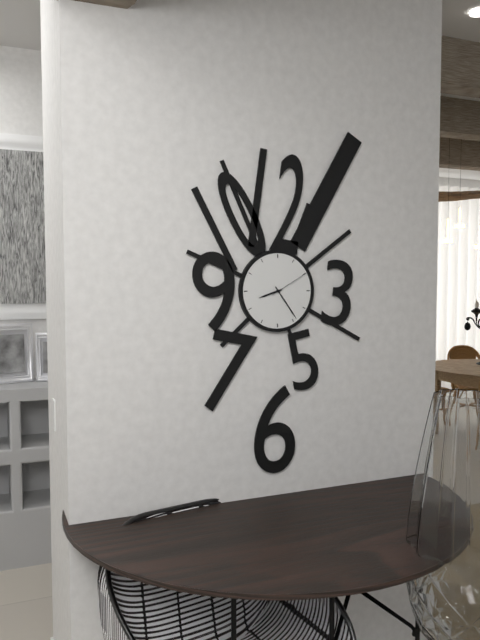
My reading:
**8:24**
